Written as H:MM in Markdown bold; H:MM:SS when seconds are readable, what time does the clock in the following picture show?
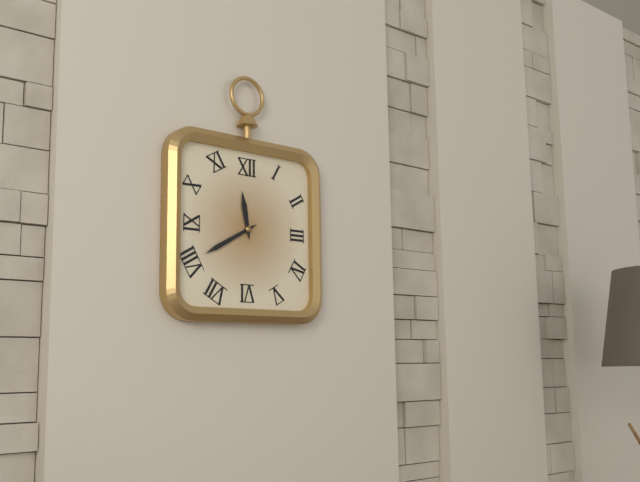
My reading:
**11:40**
